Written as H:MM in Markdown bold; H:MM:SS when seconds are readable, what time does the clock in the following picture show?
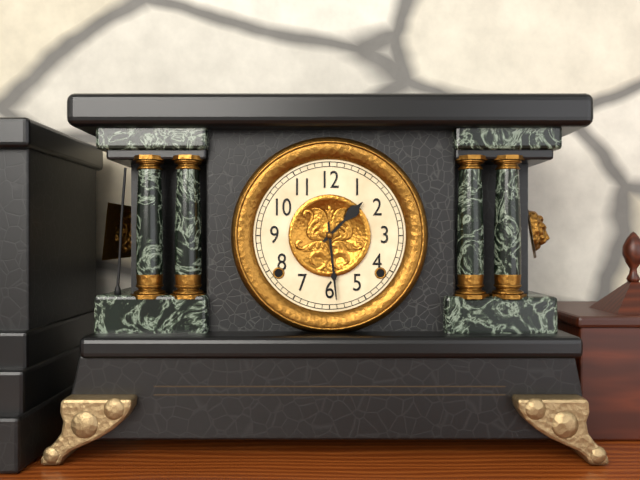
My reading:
**1:29**
